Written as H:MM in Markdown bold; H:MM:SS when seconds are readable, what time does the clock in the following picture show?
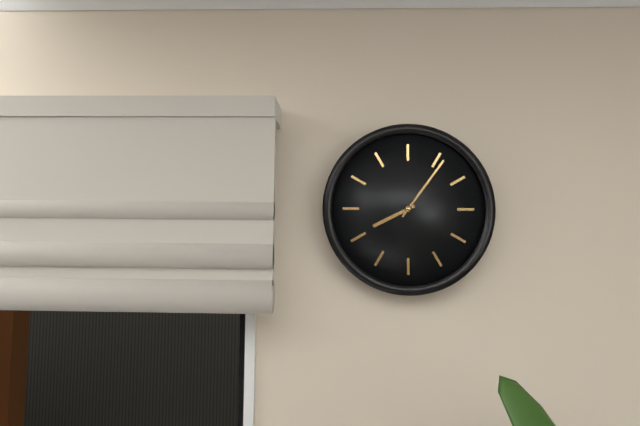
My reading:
**8:06**
